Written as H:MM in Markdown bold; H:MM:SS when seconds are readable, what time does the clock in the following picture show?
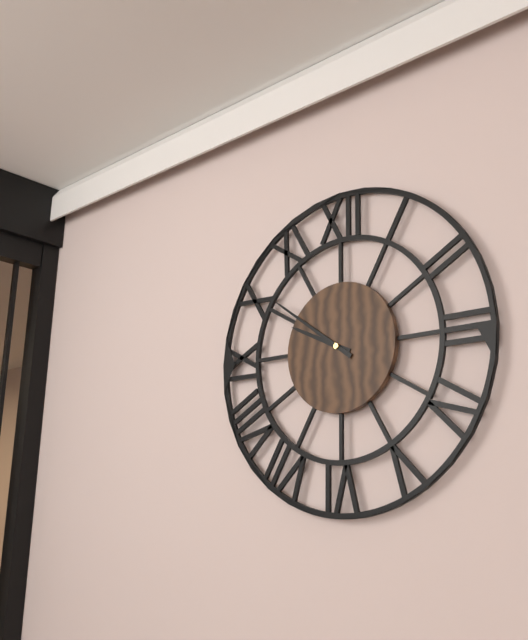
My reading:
**9:51**
